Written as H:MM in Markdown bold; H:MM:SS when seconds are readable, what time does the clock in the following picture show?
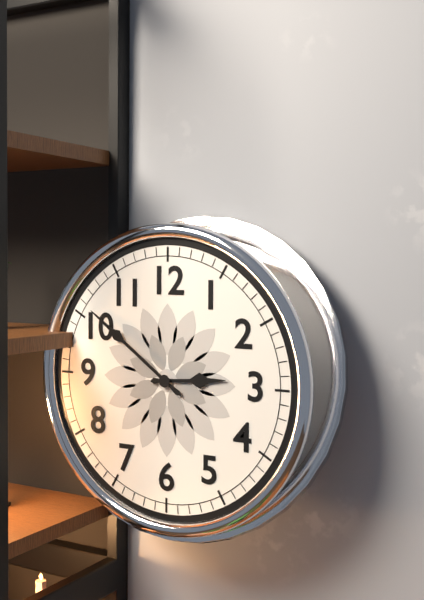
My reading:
**2:51**
